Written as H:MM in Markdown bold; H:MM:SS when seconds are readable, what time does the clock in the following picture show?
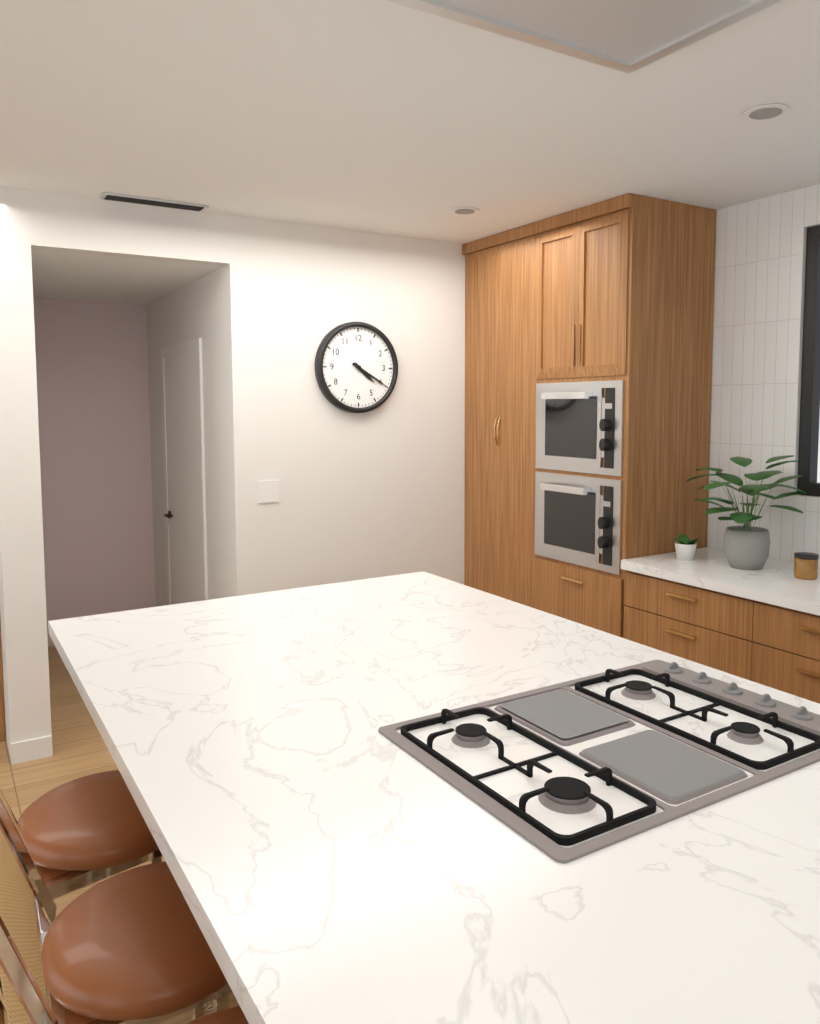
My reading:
**4:20**
